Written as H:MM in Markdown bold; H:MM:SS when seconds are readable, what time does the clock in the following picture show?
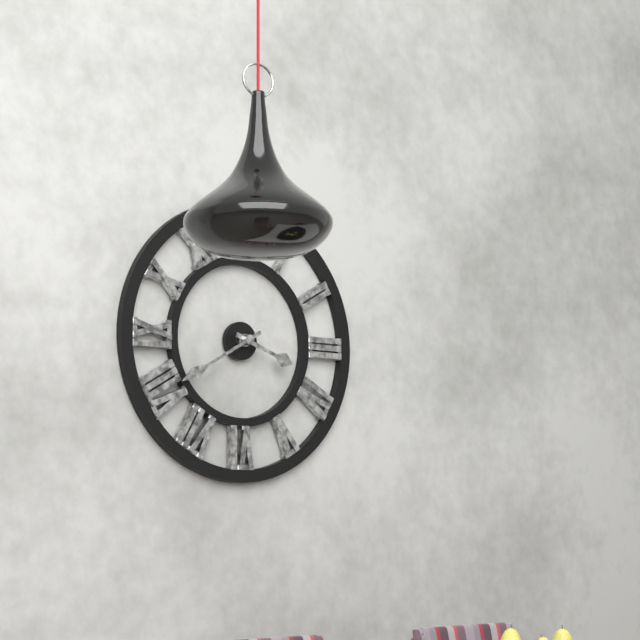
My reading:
**3:40**
